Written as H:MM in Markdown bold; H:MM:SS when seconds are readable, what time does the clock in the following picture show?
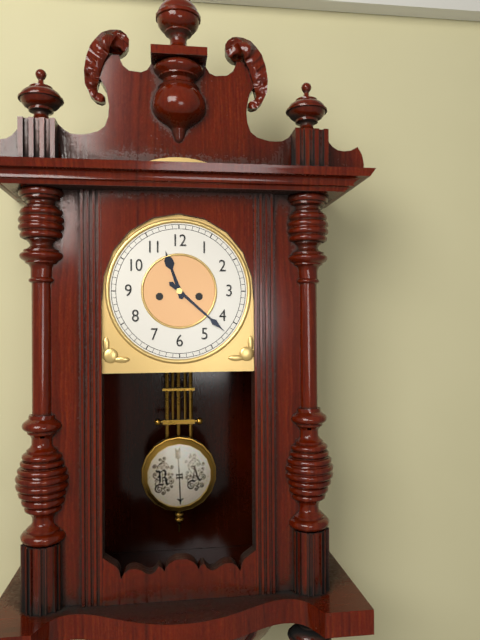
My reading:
**11:22**
